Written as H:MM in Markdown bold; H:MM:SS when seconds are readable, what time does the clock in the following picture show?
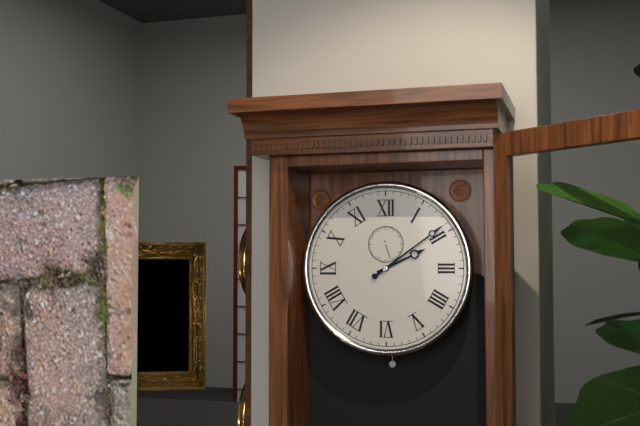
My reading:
**2:09**
